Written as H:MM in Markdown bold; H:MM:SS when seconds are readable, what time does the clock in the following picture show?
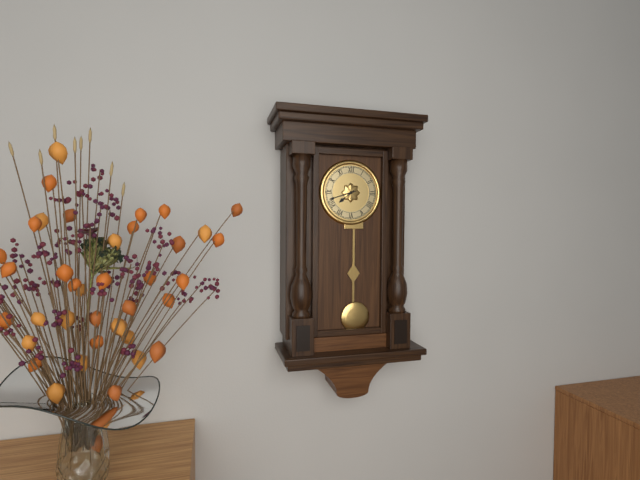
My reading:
**7:42**
